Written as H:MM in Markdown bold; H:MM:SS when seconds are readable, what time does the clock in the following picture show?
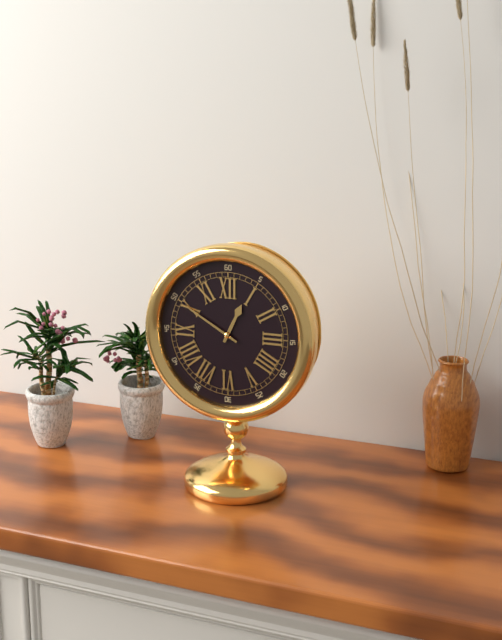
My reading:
**12:50**
